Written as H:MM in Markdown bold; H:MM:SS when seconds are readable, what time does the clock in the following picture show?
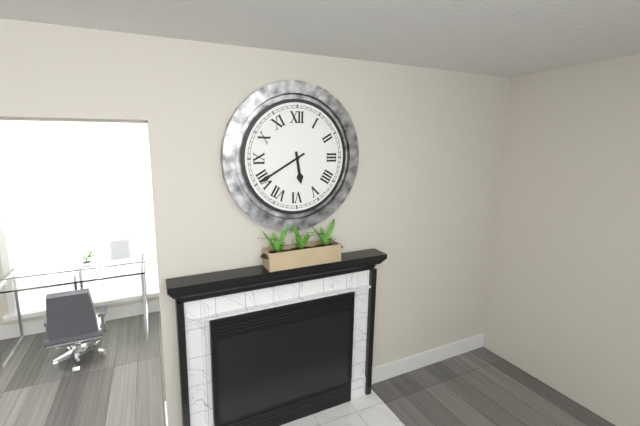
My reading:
**5:40**
